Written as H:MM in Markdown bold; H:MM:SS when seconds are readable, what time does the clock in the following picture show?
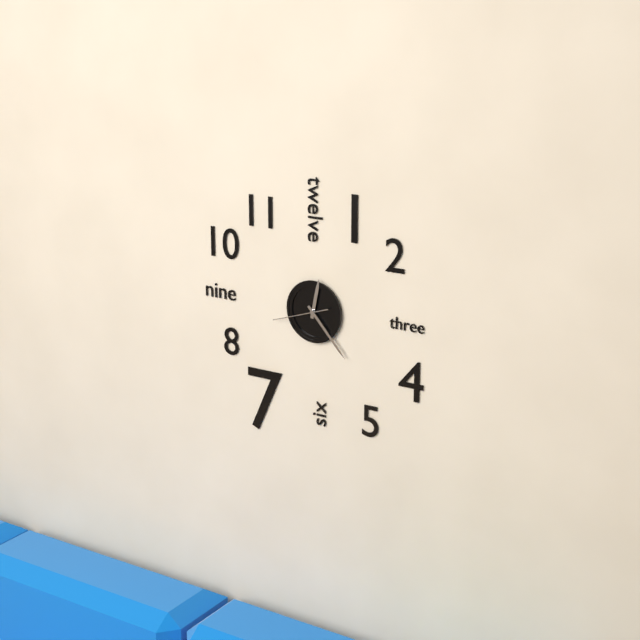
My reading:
**12:23:42**
